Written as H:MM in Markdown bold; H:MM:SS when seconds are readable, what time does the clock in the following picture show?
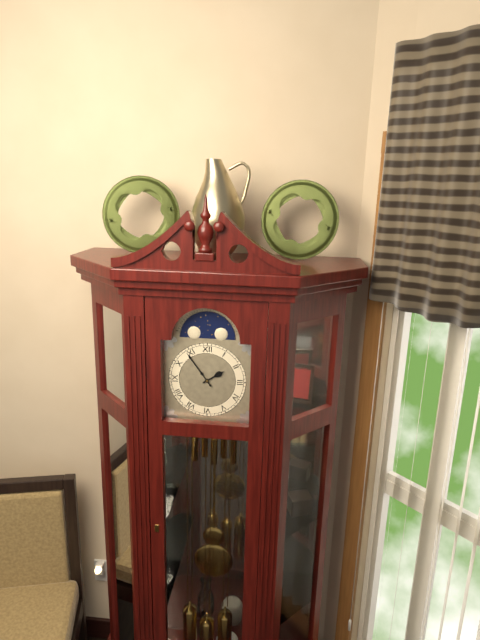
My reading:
**1:54**
